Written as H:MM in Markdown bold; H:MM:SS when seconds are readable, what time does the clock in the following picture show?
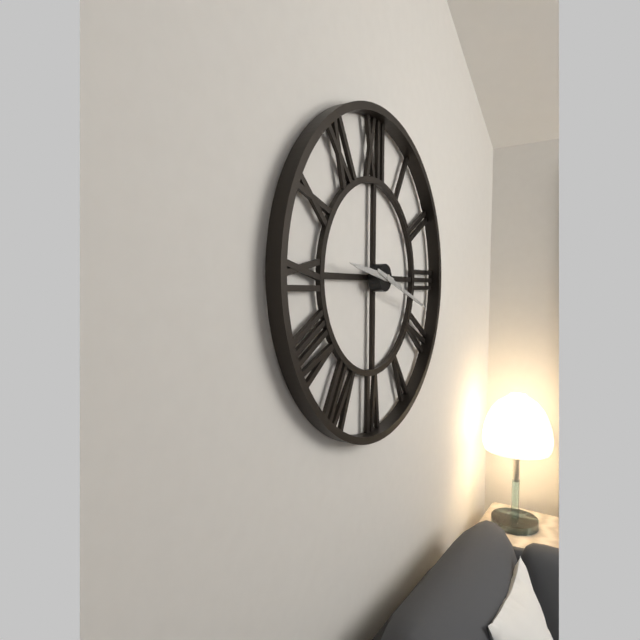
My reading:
**9:18**
